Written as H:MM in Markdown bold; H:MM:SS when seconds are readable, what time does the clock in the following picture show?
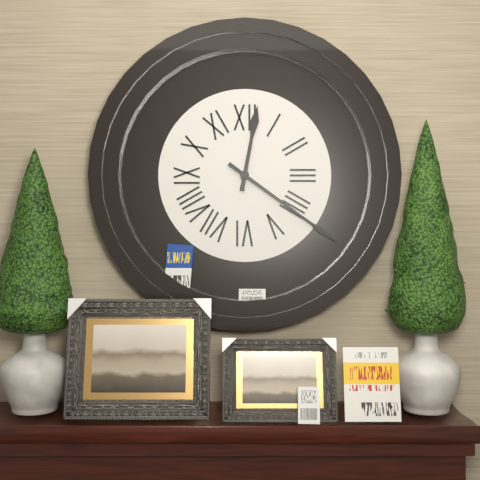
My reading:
**12:21**
